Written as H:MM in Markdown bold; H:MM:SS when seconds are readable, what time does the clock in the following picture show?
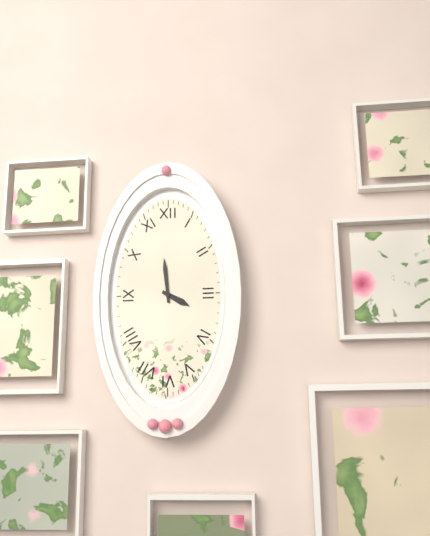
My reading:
**3:59**
